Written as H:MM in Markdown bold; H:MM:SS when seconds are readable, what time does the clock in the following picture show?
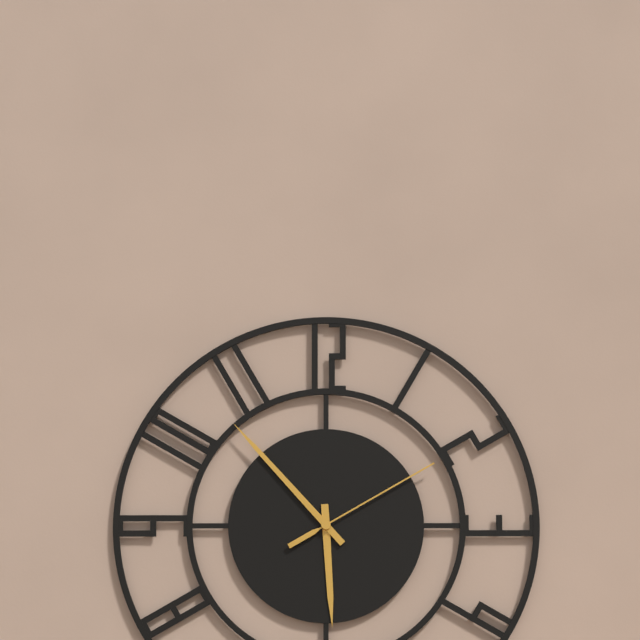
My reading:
**5:53:10**
